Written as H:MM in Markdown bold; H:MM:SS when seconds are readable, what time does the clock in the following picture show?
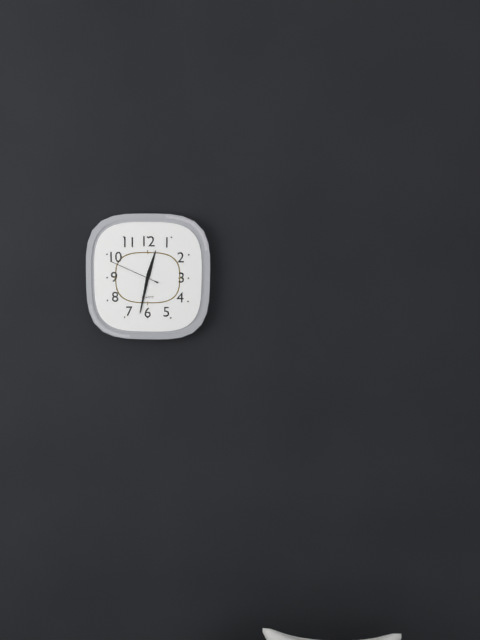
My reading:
**12:32**
